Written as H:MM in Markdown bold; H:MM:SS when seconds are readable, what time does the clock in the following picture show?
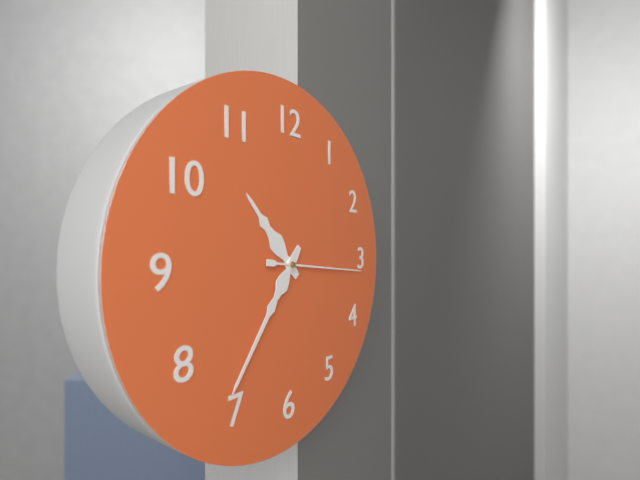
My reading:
**10:36:16**
